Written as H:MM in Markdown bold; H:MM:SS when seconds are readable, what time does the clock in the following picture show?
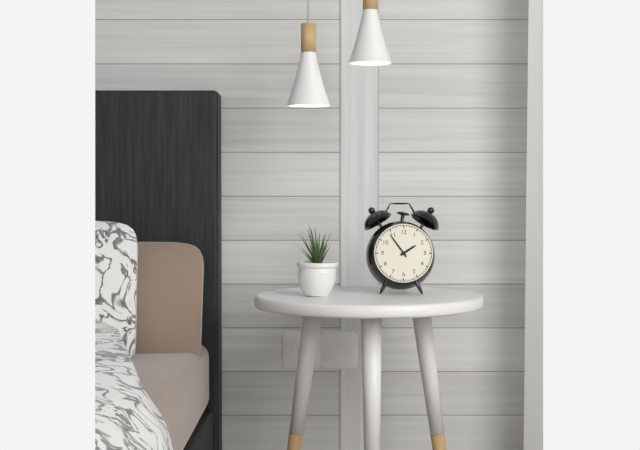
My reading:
**1:54**
